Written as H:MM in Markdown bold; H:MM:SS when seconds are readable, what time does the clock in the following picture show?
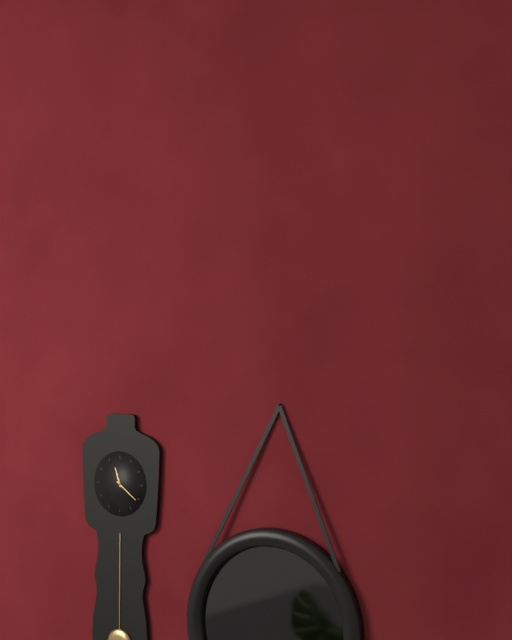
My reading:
**11:21**
